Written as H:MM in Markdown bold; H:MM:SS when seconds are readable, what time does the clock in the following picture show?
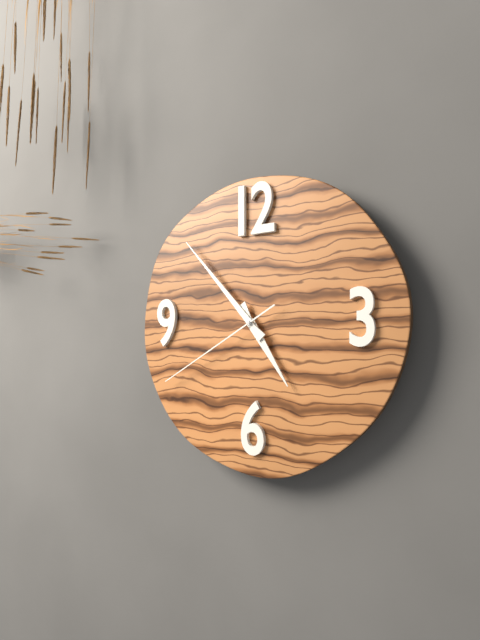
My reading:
**4:53:40**
